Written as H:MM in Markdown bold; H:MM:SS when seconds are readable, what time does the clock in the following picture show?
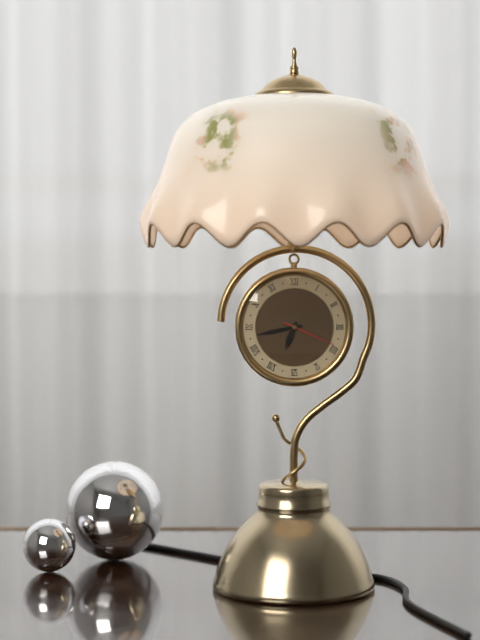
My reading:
**6:43:19**
